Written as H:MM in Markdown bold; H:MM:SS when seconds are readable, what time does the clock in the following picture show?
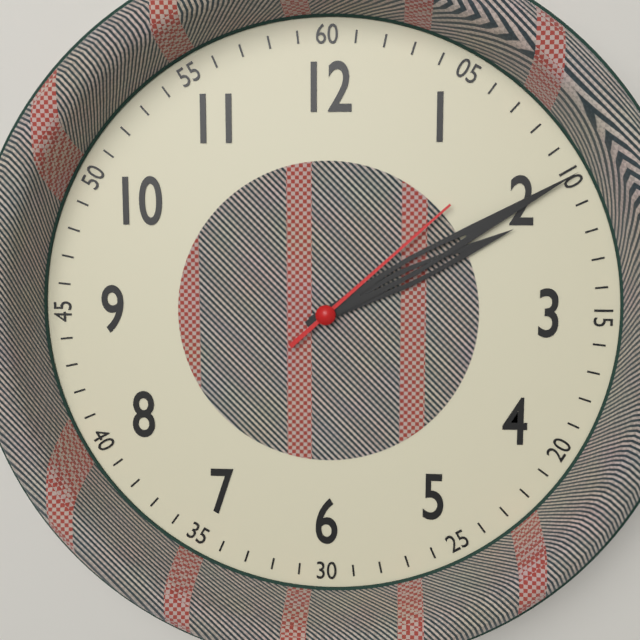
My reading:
**2:10:08**
